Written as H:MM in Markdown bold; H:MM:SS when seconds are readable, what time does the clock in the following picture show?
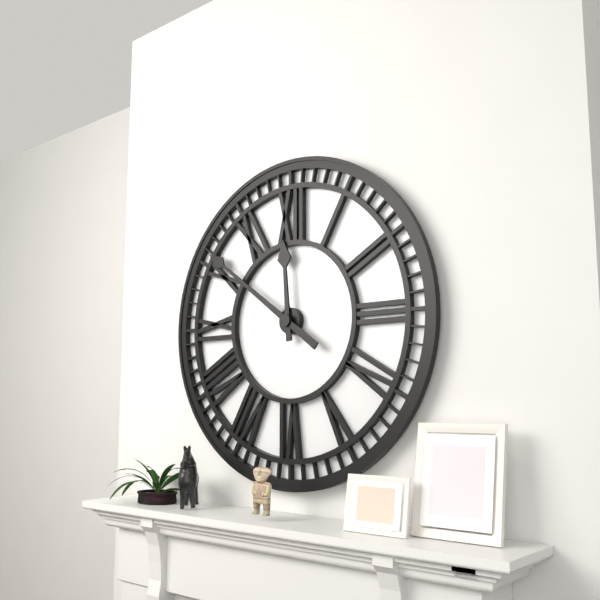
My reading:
**11:51**
